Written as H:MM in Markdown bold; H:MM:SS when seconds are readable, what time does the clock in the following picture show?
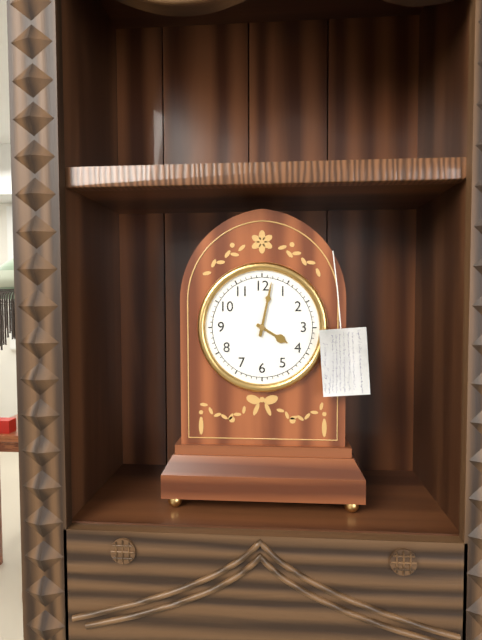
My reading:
**4:02**
